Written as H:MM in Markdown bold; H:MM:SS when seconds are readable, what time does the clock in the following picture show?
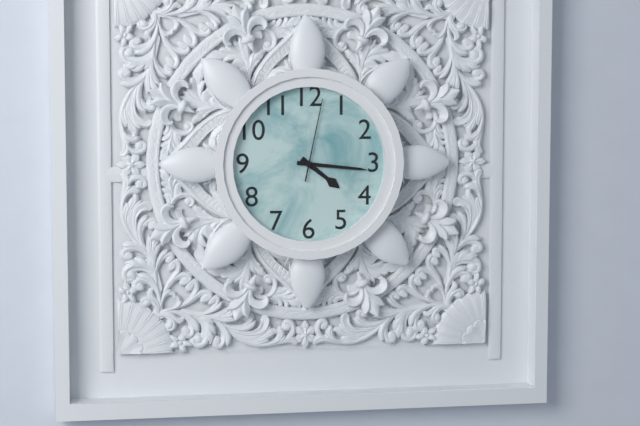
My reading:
**4:16:02**
